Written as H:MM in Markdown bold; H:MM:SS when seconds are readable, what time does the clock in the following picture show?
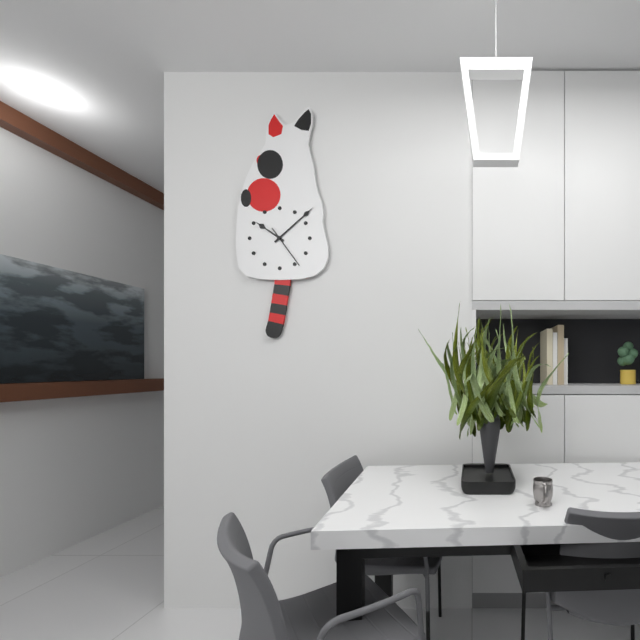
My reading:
**10:08**
